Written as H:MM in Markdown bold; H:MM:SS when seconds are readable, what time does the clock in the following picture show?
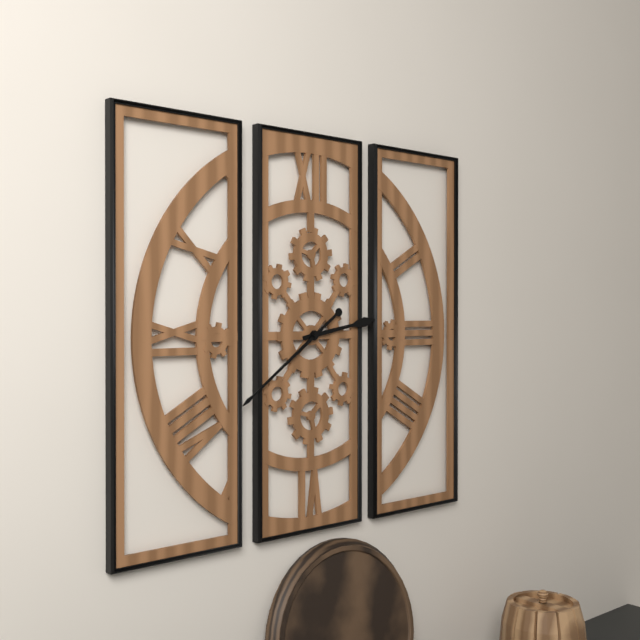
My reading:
**2:39**
